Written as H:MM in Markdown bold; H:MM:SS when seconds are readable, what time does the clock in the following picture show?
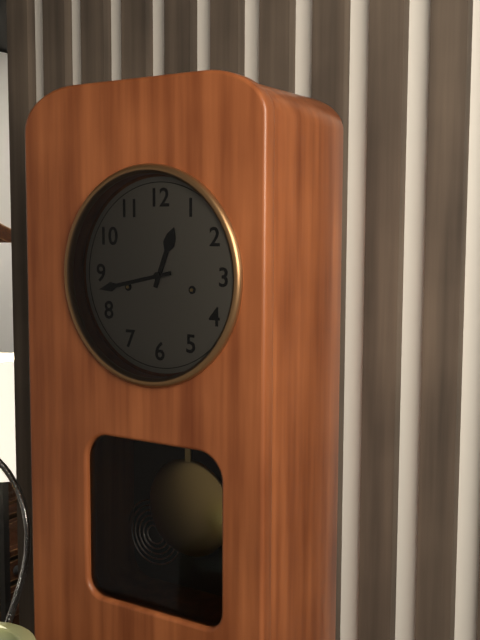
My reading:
**12:43**
